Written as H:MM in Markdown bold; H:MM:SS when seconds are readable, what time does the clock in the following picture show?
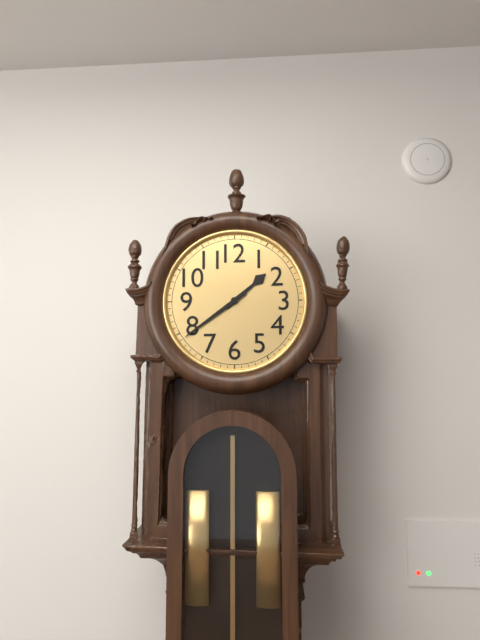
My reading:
**1:39**
